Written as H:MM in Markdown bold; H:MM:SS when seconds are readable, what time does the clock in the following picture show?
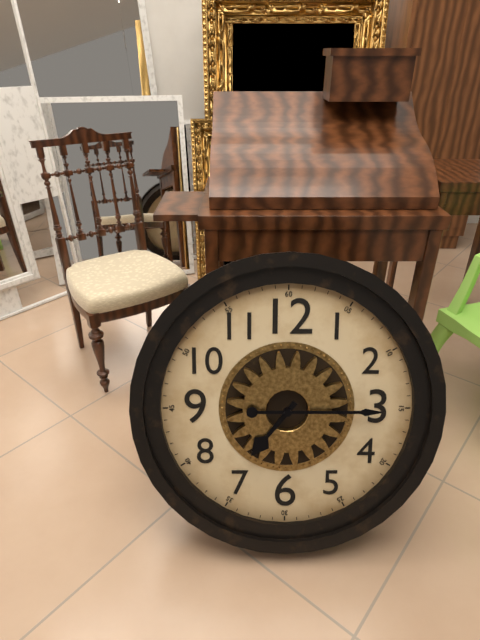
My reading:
**7:15**
